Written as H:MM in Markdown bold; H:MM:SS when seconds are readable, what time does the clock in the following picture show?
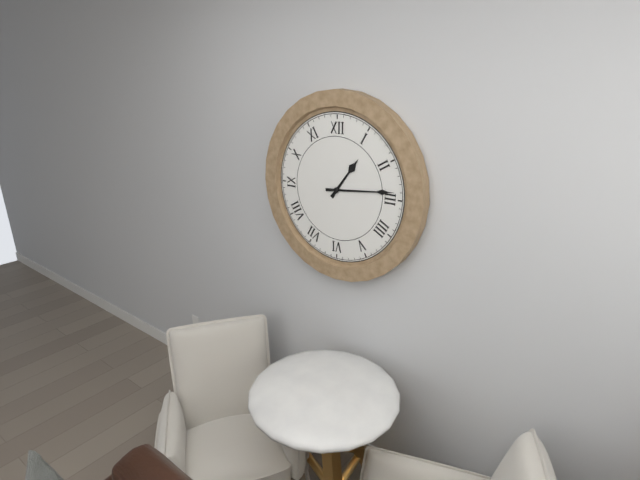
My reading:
**1:14**
